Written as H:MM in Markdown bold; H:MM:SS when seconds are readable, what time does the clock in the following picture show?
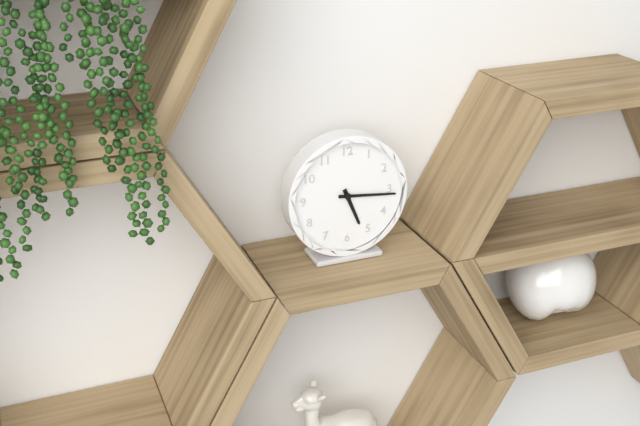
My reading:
**5:16**
